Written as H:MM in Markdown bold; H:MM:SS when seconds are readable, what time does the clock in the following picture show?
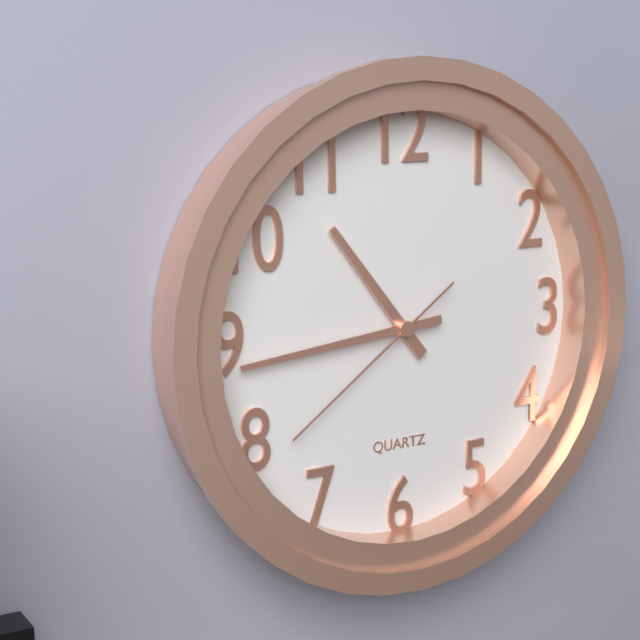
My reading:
**10:44:39**
